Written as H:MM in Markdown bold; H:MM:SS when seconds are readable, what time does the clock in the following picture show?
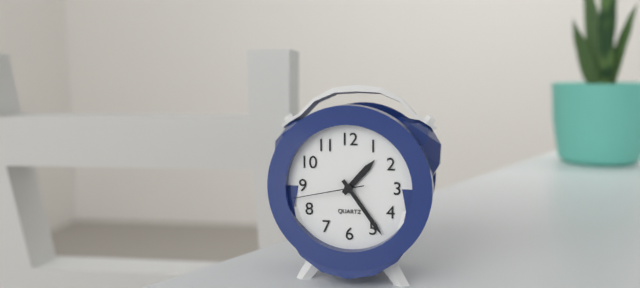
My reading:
**1:24:43**
